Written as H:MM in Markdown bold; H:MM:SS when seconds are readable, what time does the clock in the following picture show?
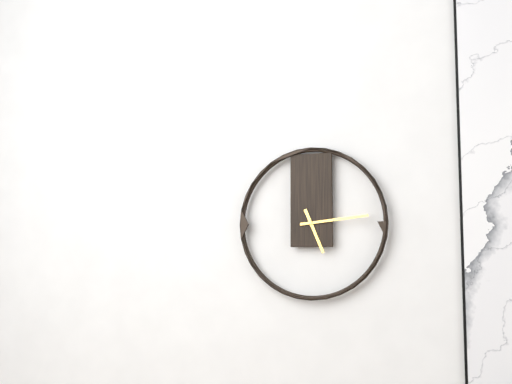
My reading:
**5:14**
